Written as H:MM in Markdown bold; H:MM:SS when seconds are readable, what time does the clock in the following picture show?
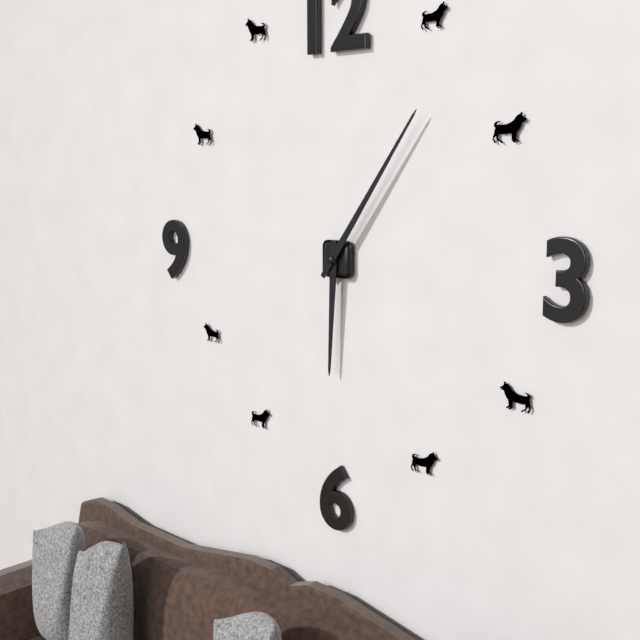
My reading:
**6:06**
